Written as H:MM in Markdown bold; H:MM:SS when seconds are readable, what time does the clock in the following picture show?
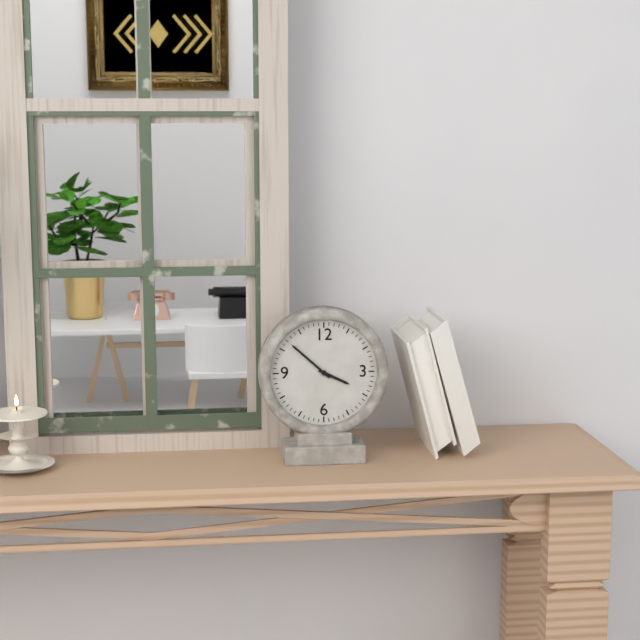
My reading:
**3:52**
